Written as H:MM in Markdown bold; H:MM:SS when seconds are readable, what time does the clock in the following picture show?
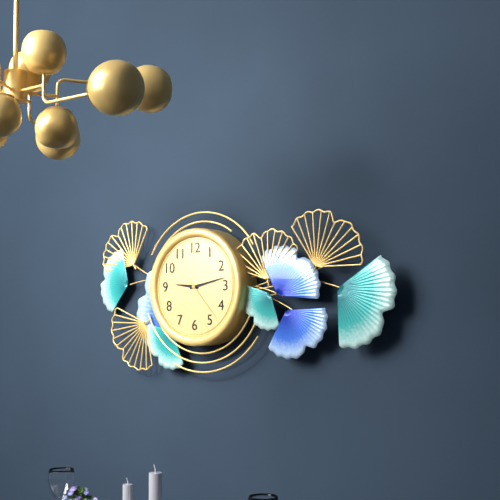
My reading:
**9:13**
